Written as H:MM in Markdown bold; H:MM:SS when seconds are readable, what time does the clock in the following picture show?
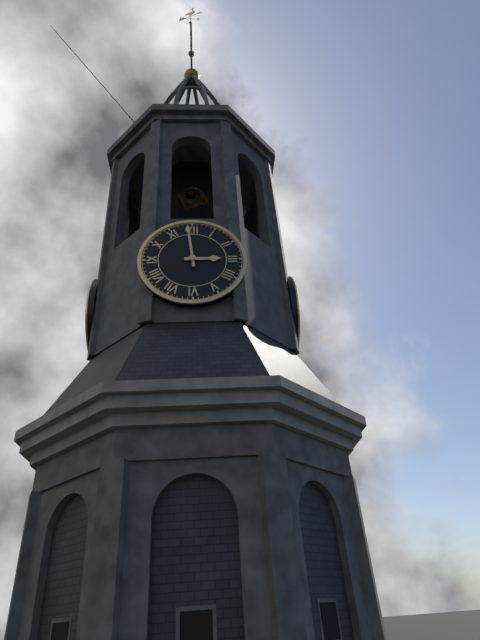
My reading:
**2:59**
